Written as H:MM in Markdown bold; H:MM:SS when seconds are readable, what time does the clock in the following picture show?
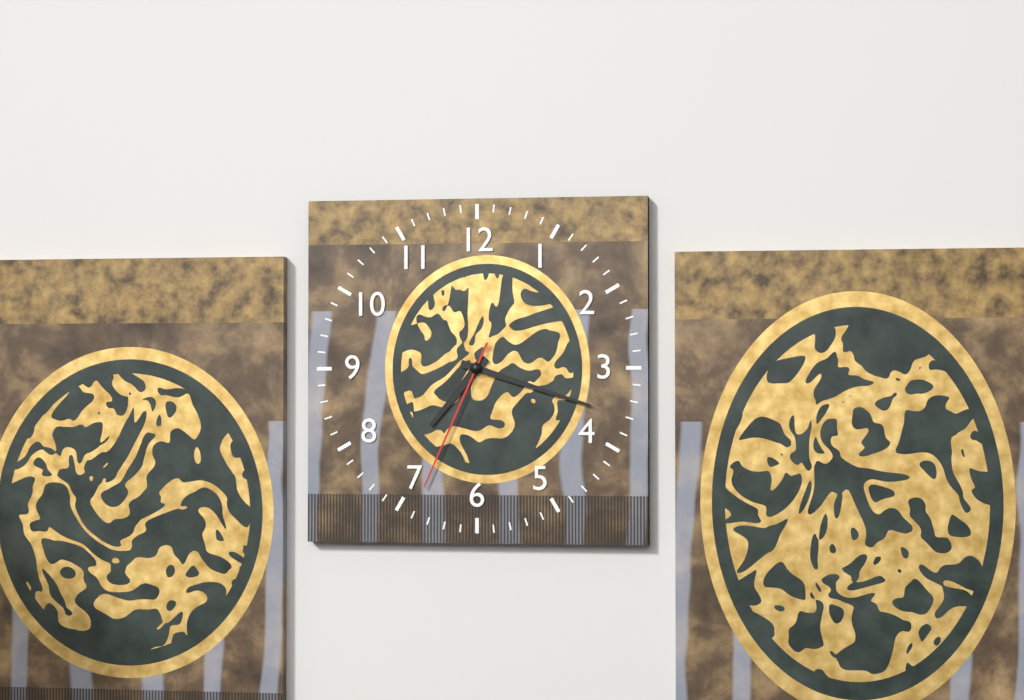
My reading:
**7:18:34**
